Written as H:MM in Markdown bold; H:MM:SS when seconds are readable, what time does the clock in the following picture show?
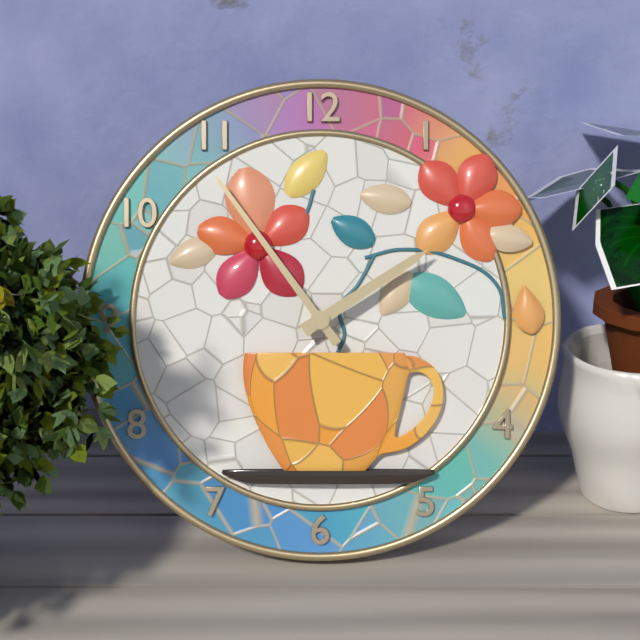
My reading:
**1:54**
